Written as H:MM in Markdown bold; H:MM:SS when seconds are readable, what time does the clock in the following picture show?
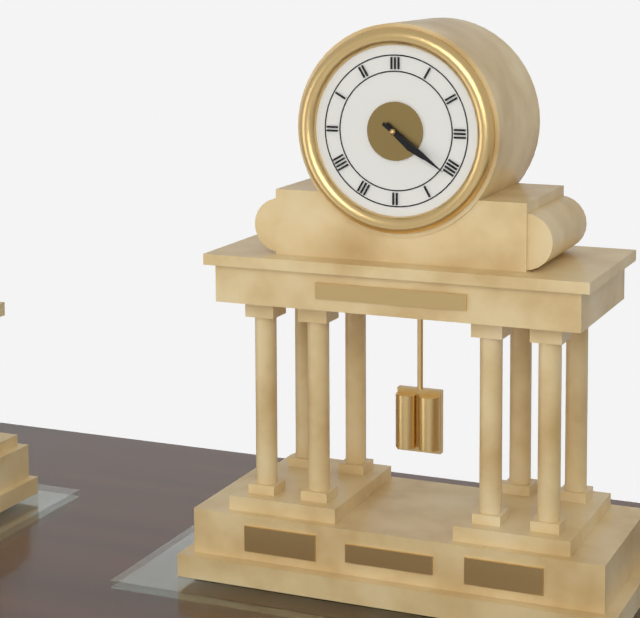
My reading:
**4:21**
